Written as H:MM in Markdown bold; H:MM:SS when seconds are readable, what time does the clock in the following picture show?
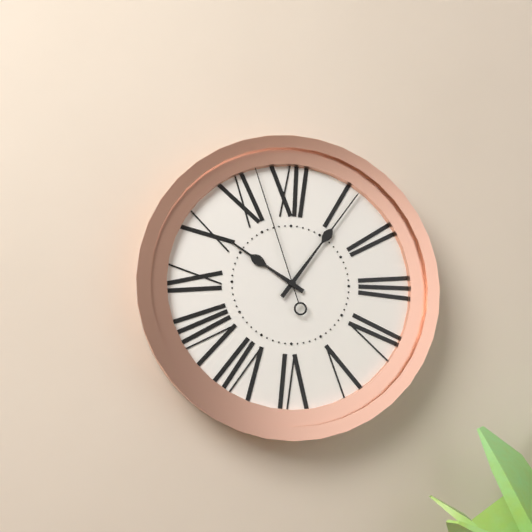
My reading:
**10:06:57**
